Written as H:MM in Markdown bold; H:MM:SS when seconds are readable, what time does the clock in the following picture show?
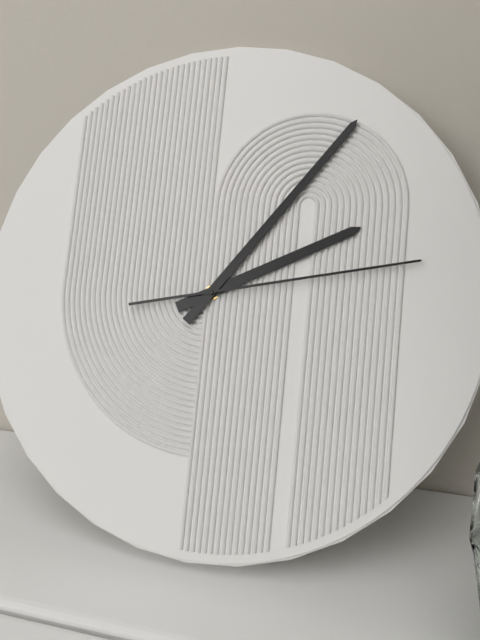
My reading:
**2:06:13**
